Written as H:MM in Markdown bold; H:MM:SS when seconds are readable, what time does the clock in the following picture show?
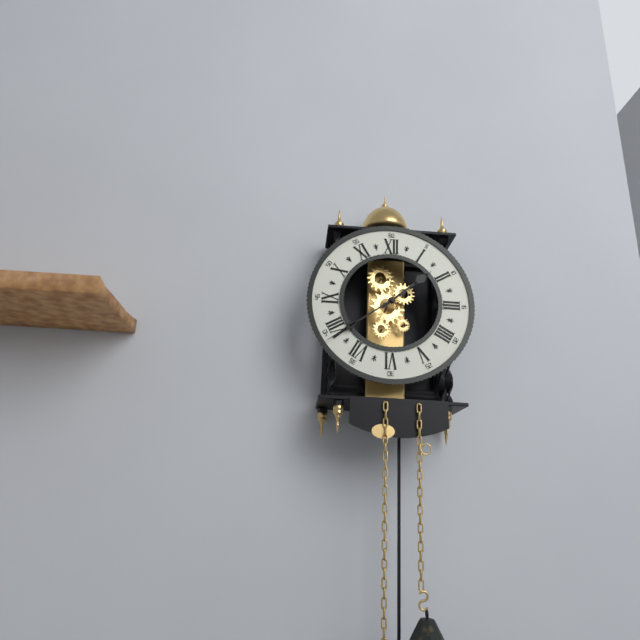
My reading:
**1:39**
